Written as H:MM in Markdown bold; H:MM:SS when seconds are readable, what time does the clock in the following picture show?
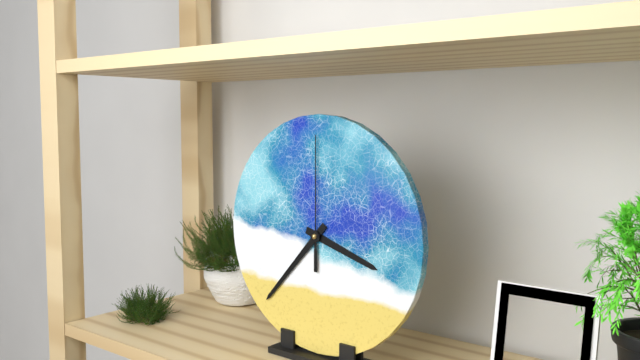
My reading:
**3:37:00**
